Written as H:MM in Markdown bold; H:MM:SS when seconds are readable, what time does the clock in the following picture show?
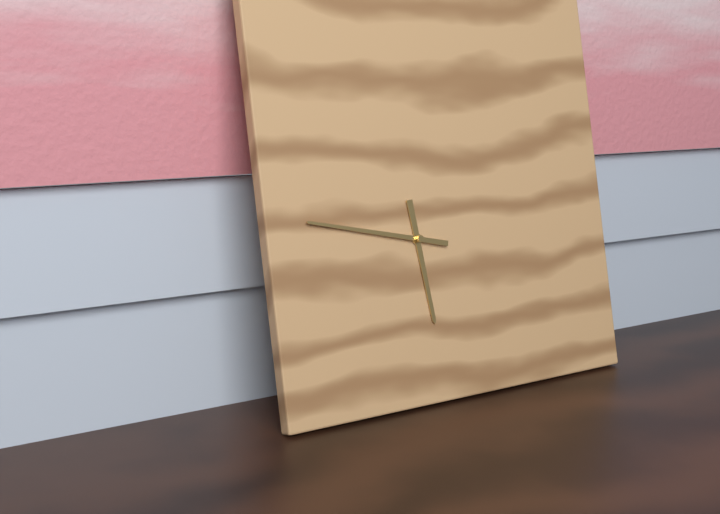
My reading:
**5:47**
